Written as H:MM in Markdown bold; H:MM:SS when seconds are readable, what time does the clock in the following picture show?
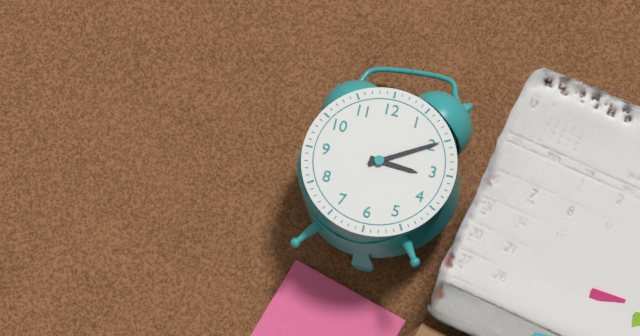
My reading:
**3:10**
